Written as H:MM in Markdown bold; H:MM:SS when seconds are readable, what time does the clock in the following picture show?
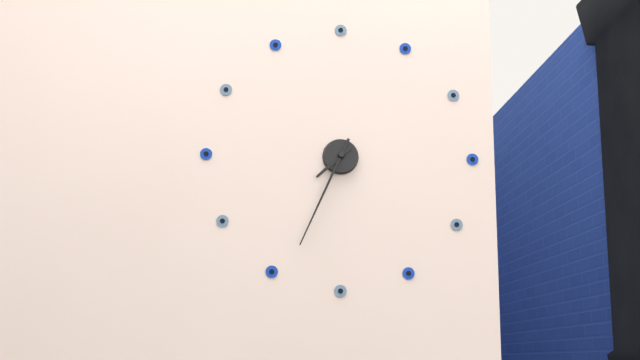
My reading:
**7:34**
